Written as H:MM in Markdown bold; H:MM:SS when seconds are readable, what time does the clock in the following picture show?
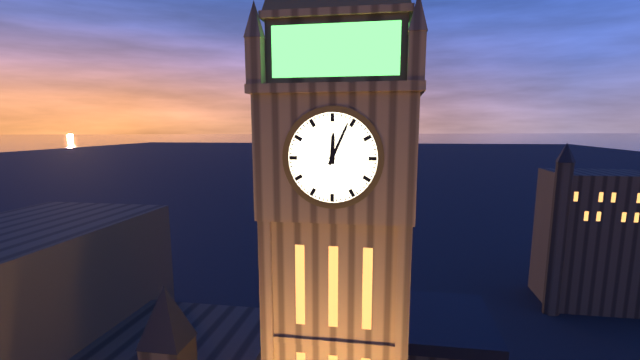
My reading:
**12:04**
